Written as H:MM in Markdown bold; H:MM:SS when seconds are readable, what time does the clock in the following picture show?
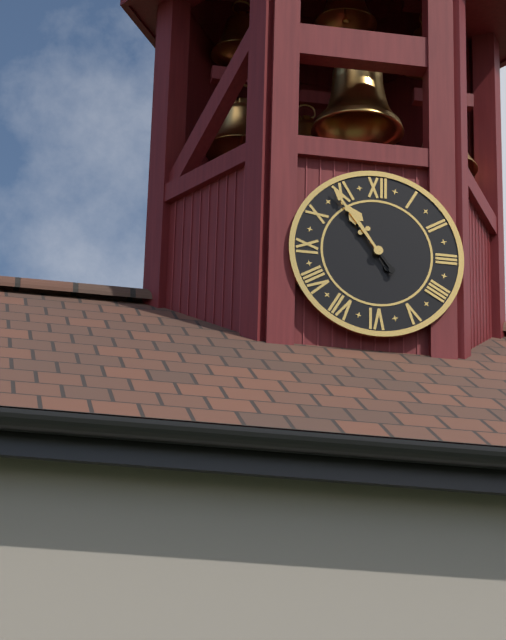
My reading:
**10:54**
